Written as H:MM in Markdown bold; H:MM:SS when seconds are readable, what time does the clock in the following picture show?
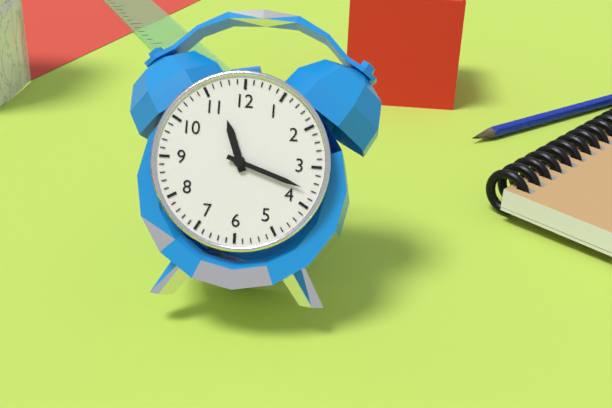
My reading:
**11:18**
